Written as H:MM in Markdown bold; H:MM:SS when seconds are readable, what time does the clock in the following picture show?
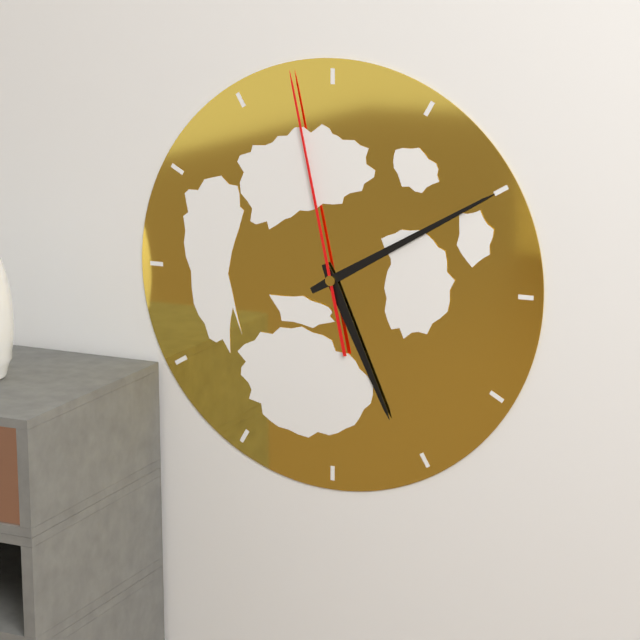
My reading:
**5:10:58**
